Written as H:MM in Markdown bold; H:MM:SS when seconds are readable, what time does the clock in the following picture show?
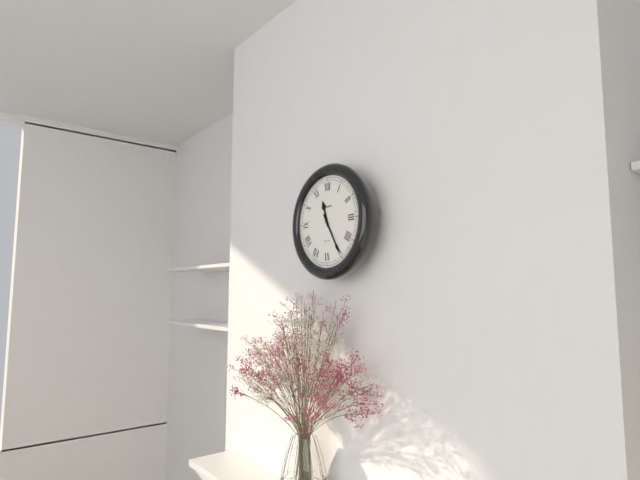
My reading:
**11:25**
